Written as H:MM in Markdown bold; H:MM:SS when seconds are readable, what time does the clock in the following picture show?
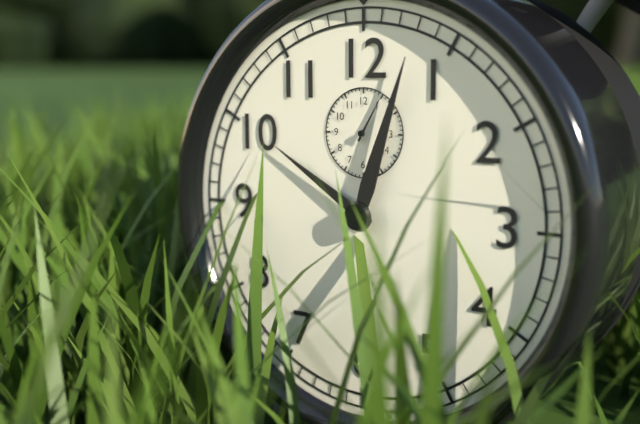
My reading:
**10:03**
